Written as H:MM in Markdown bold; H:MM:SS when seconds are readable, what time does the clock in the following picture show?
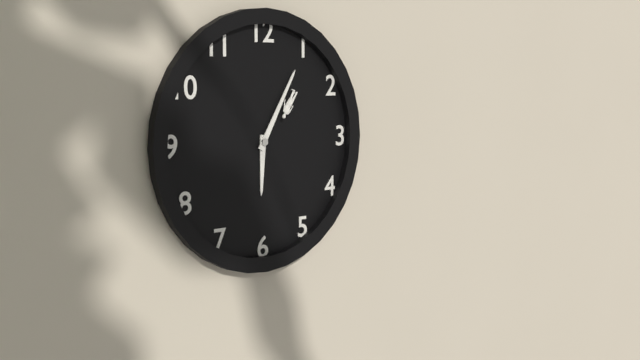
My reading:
**6:05**
